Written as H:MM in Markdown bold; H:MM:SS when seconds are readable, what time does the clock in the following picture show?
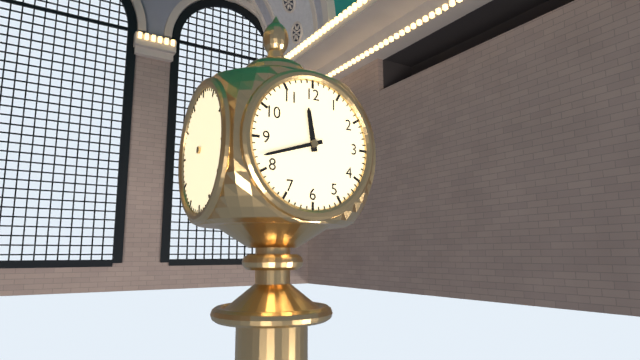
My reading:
**11:42**
